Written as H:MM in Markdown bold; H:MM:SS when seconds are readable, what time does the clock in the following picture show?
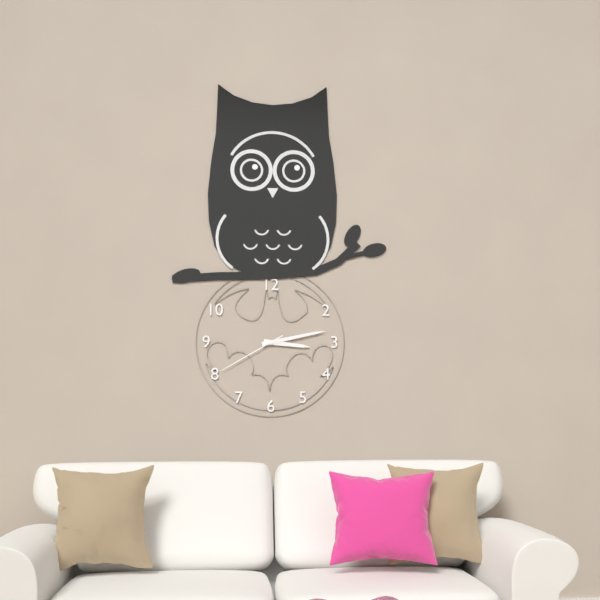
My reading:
**3:13:40**
